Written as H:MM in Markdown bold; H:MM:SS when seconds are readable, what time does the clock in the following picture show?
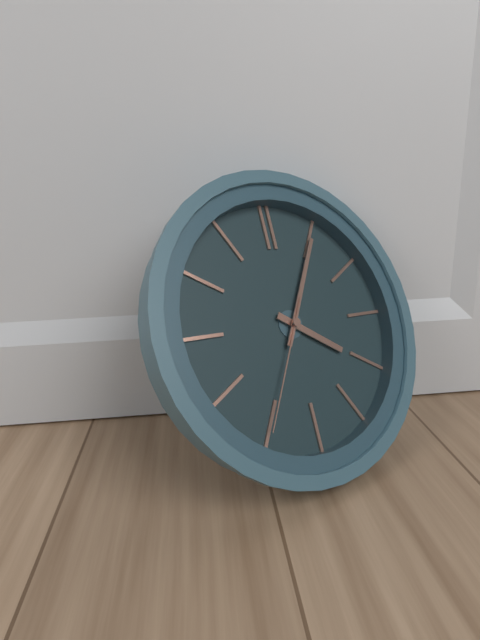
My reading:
**4:05:35**
